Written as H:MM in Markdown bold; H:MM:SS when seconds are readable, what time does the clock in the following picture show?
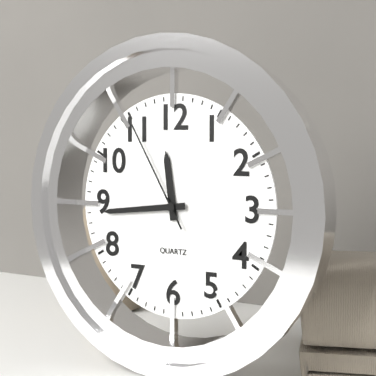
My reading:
**11:44:55**
